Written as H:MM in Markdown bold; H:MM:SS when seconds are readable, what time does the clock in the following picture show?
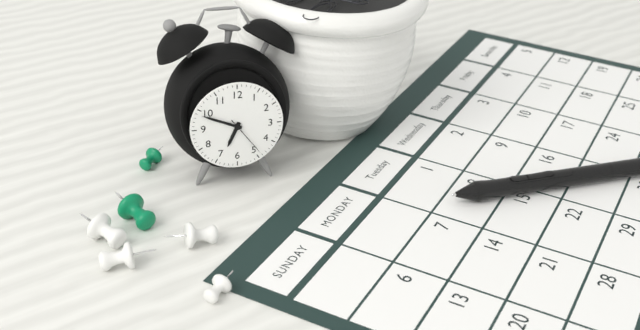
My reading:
**6:49**
